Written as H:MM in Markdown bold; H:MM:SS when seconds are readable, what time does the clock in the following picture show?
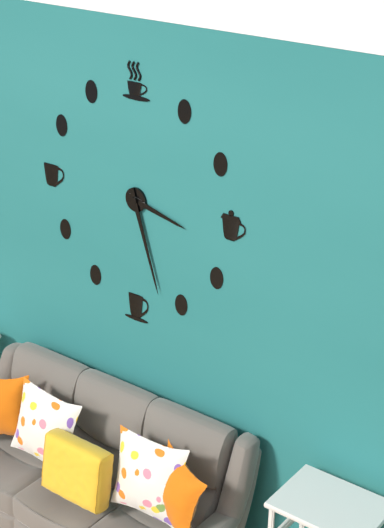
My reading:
**3:27**
